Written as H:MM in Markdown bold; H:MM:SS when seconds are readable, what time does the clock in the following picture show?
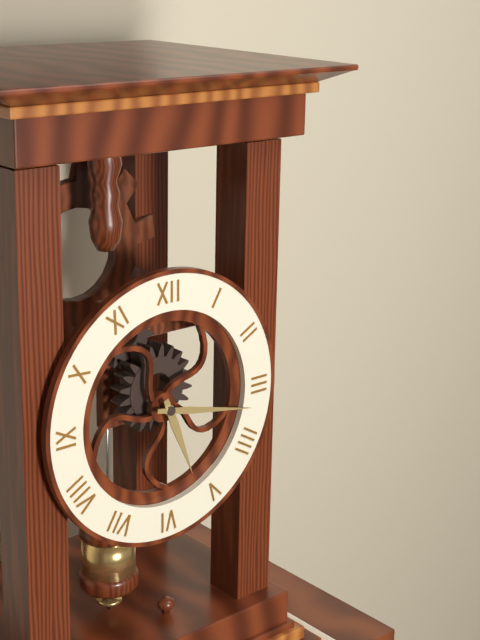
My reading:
**5:17**
